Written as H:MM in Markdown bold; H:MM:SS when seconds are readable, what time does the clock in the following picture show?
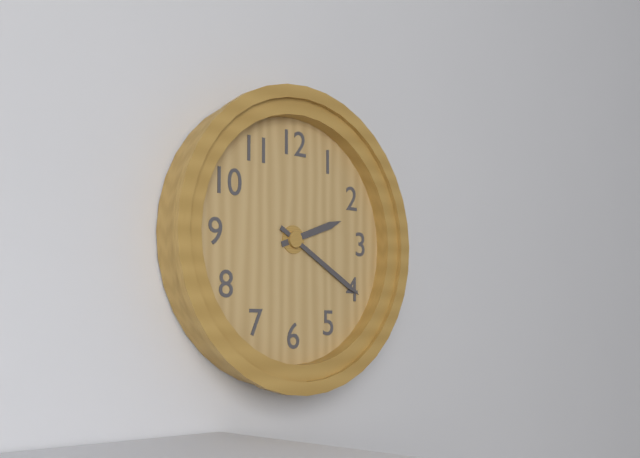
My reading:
**2:20**
